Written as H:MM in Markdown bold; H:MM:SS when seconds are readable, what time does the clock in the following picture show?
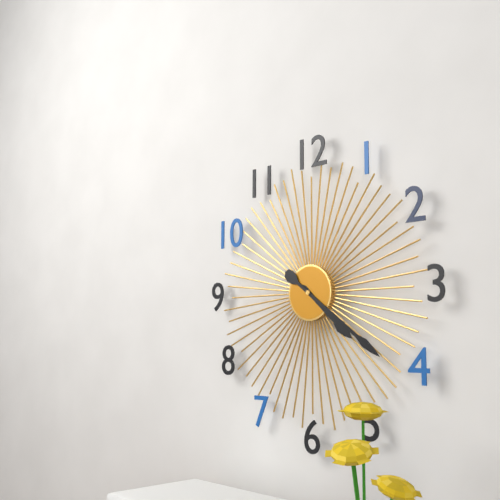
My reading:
**4:21**
